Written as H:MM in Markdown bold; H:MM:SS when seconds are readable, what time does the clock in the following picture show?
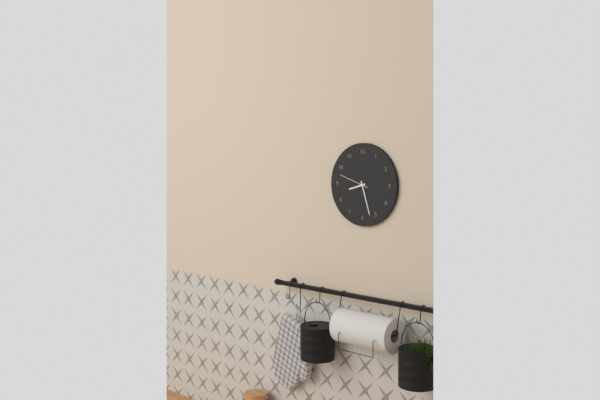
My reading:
**8:27**
